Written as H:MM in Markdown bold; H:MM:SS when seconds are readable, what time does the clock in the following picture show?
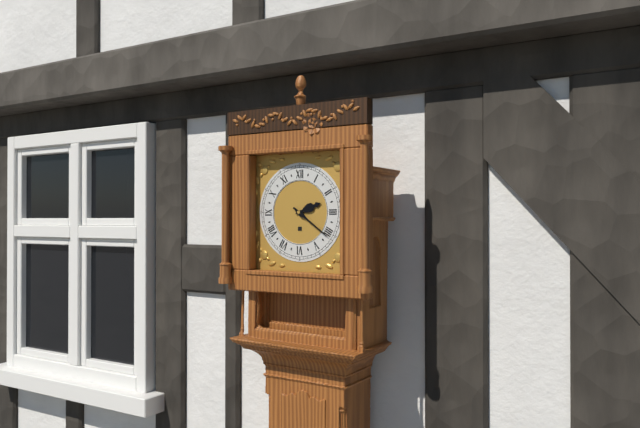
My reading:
**2:21**
